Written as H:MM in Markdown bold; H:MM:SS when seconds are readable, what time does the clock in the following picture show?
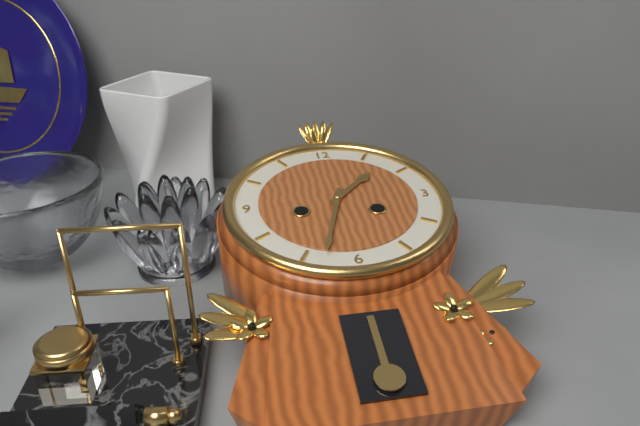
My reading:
**1:33**
